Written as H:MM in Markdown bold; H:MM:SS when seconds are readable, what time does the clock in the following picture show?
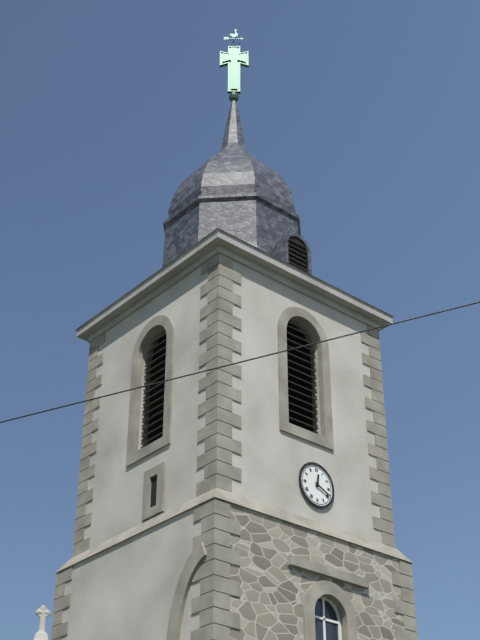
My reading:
**12:19**
